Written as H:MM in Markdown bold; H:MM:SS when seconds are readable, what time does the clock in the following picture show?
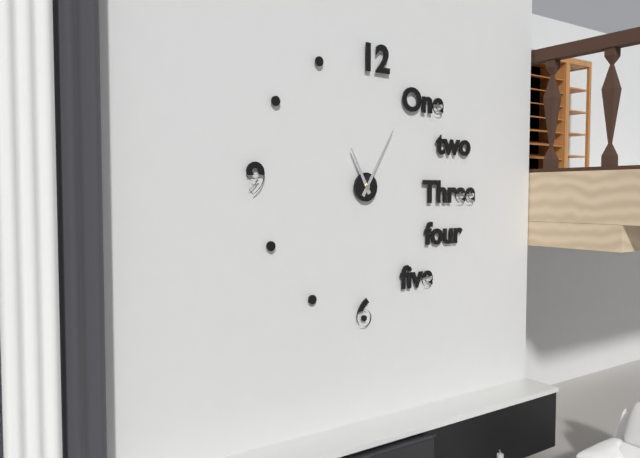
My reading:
**11:05**
